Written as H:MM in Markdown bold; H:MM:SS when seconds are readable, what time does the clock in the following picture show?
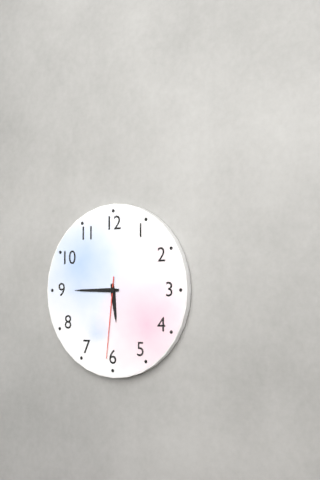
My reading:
**5:45:31**
